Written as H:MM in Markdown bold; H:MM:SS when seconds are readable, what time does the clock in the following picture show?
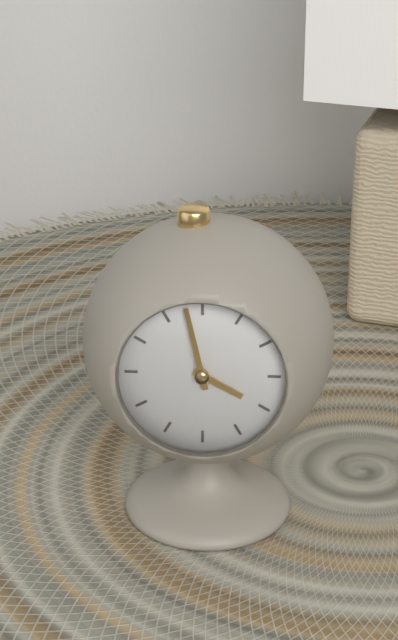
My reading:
**3:58**
